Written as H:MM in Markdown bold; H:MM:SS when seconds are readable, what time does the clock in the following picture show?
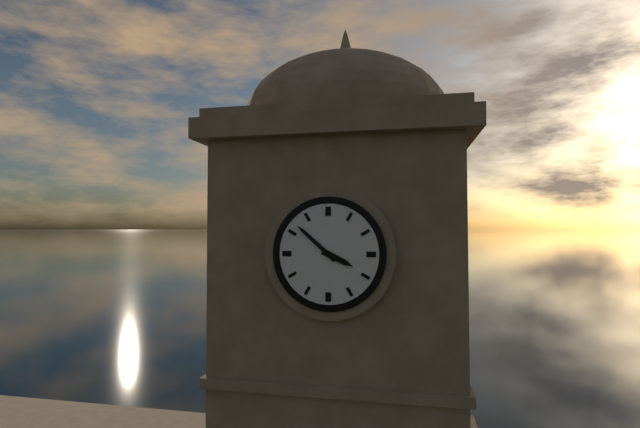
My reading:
**3:52**
